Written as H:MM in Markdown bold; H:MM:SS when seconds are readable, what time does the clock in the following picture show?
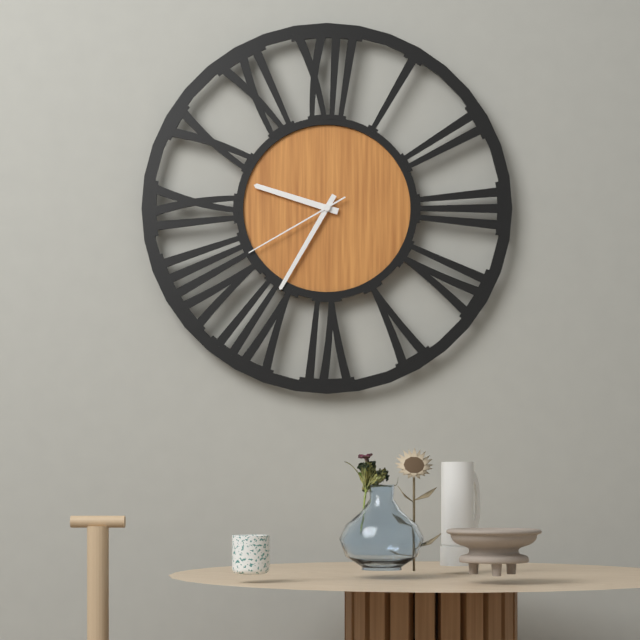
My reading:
**9:35:40**
